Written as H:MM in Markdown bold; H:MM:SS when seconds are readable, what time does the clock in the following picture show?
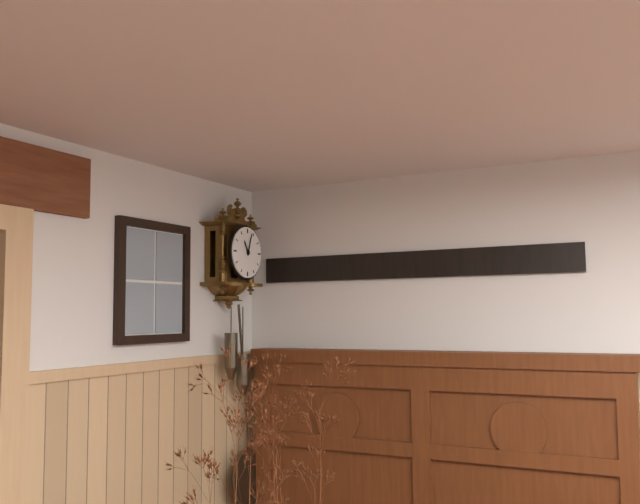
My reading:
**11:03**
